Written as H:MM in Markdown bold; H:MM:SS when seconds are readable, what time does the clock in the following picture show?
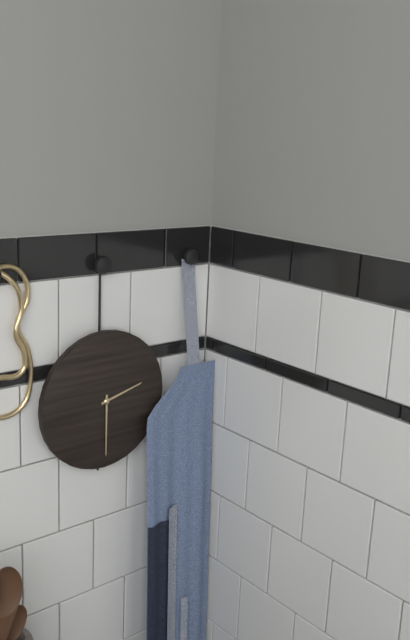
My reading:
**2:30**
